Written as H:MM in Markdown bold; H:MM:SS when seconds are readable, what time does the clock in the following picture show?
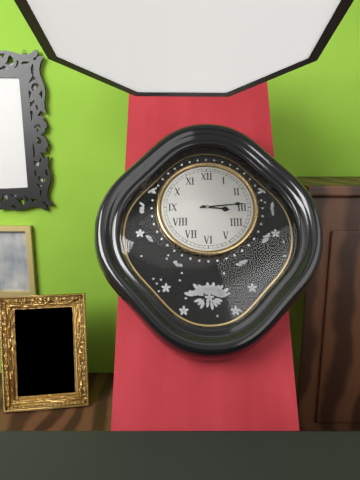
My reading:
**3:14**
